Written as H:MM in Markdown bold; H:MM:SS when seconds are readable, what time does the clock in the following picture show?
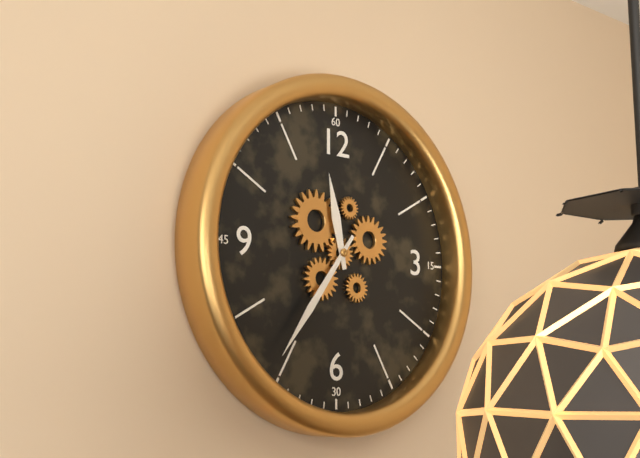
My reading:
**11:36**
